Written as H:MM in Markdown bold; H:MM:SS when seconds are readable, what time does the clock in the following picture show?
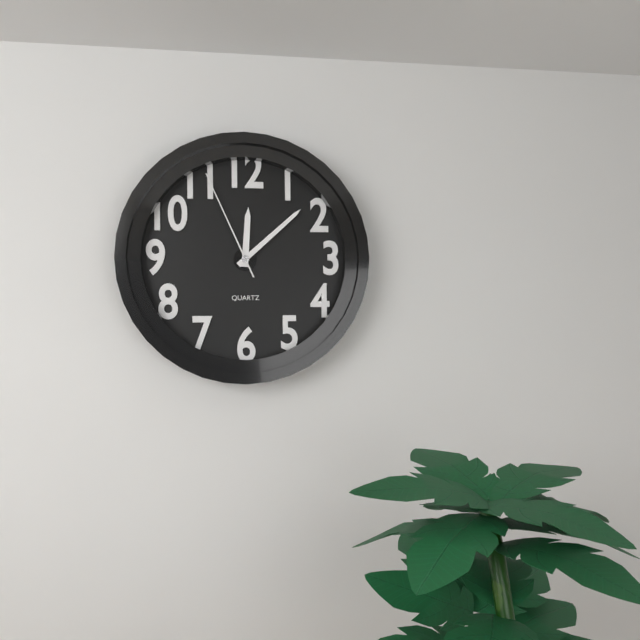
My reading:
**12:08:56**
